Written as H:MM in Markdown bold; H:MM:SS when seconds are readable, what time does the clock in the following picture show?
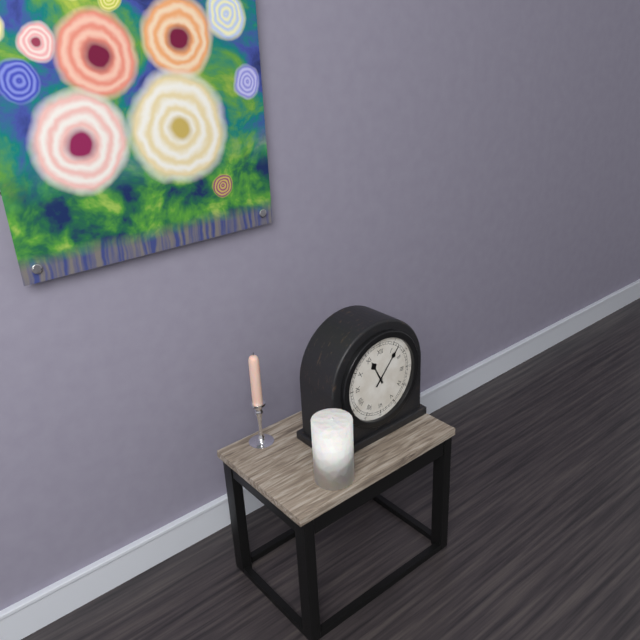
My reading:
**11:07**
